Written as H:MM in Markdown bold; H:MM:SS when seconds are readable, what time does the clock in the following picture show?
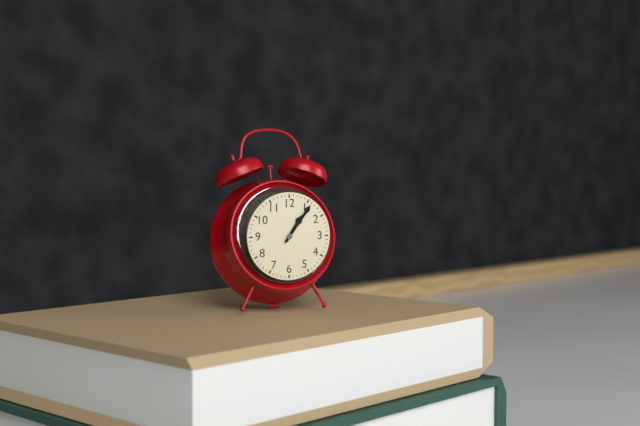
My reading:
**1:06**
